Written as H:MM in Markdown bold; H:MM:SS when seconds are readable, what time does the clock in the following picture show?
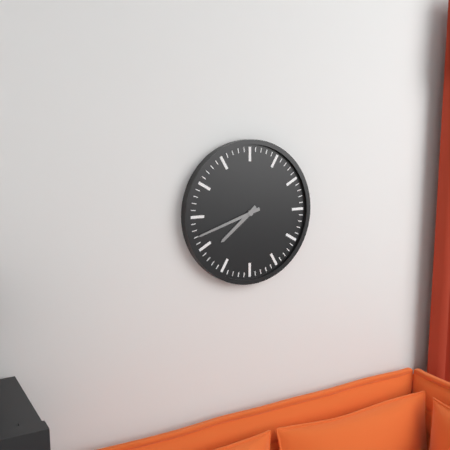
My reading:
**7:42**
